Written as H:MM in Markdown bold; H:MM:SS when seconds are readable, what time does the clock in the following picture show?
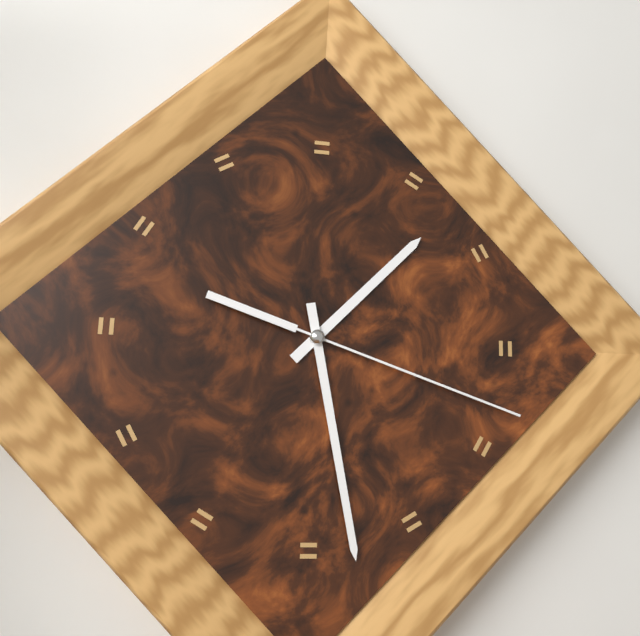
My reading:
**1:28:18**
